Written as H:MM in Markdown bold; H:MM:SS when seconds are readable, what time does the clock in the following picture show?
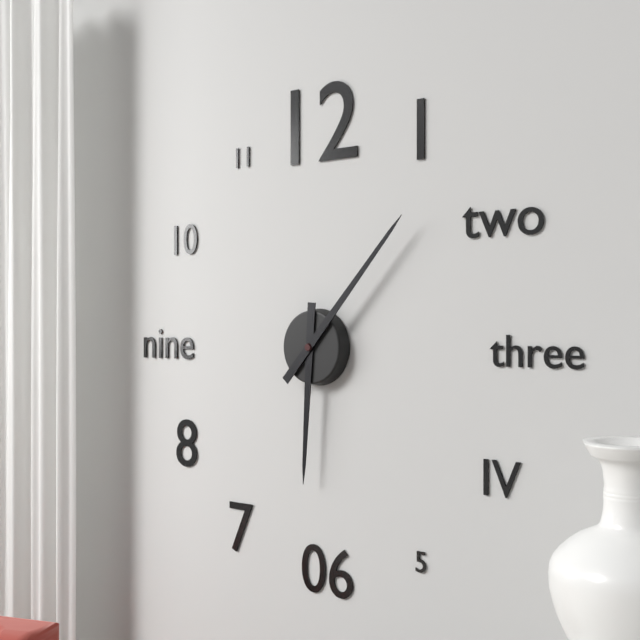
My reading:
**6:07**
